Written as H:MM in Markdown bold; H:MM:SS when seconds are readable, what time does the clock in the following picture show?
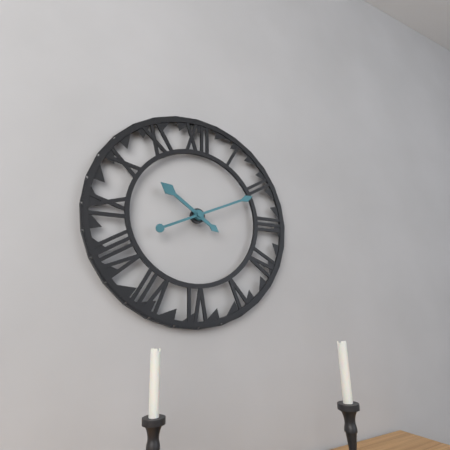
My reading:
**10:11**
